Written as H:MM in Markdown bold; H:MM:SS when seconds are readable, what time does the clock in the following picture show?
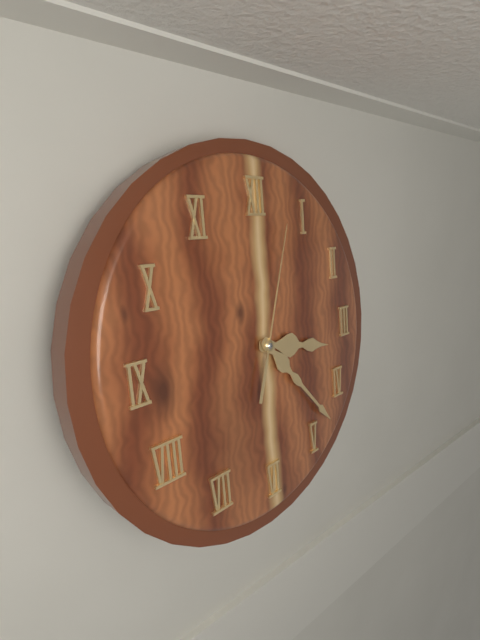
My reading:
**3:23:03**
